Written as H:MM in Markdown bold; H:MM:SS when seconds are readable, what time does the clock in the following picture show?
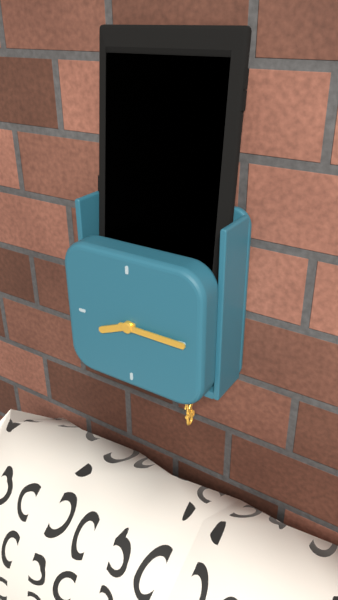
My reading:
**8:15**
